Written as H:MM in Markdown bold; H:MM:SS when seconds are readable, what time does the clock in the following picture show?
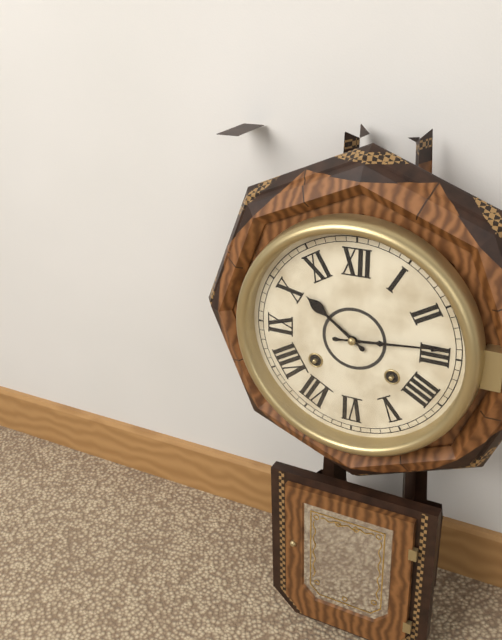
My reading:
**10:14**
